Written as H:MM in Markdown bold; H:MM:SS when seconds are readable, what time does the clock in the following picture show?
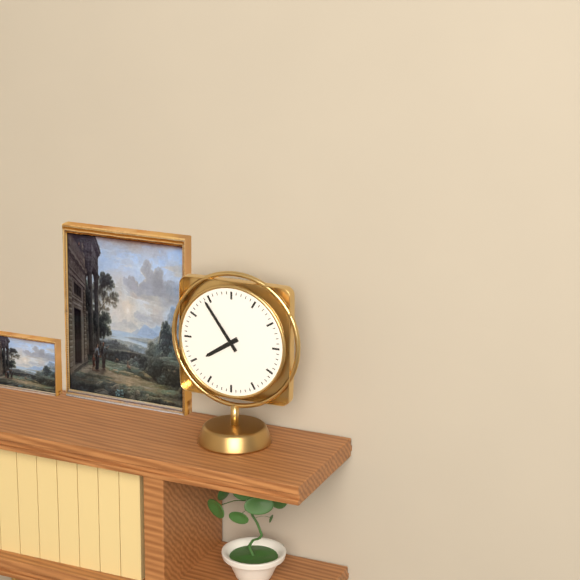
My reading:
**7:54**
